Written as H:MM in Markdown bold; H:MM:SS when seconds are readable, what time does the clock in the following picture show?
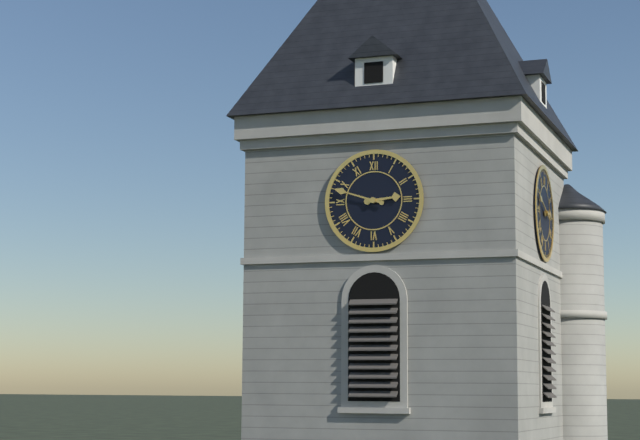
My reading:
**2:48**
